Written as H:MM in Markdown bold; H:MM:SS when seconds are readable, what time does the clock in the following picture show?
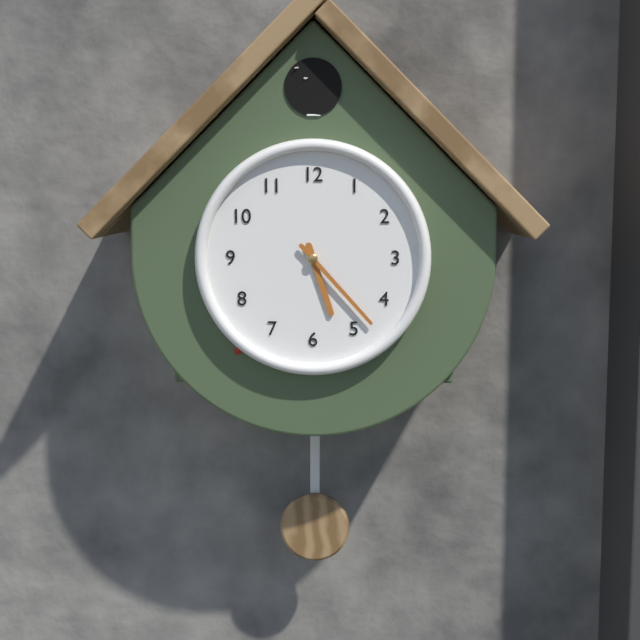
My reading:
**5:23**
